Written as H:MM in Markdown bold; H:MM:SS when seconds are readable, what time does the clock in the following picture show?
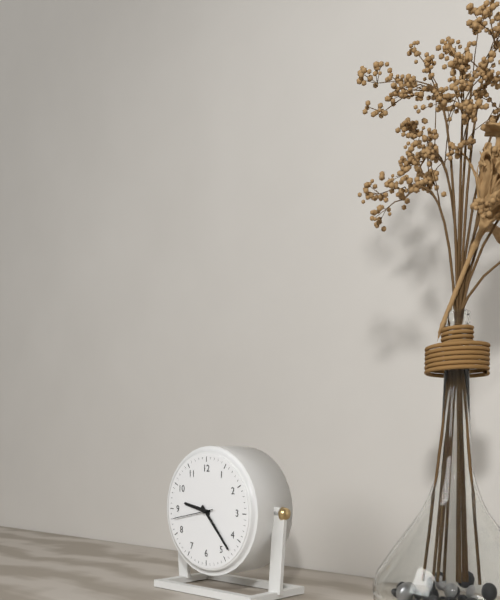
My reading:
**9:23**
